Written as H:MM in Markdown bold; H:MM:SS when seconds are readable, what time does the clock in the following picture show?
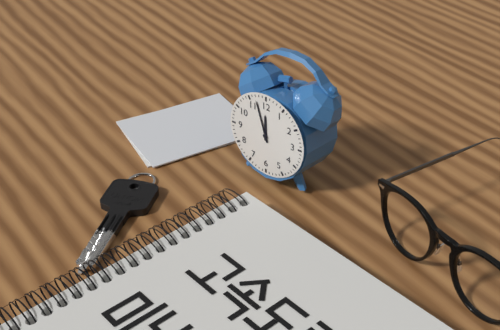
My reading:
**11:57**
